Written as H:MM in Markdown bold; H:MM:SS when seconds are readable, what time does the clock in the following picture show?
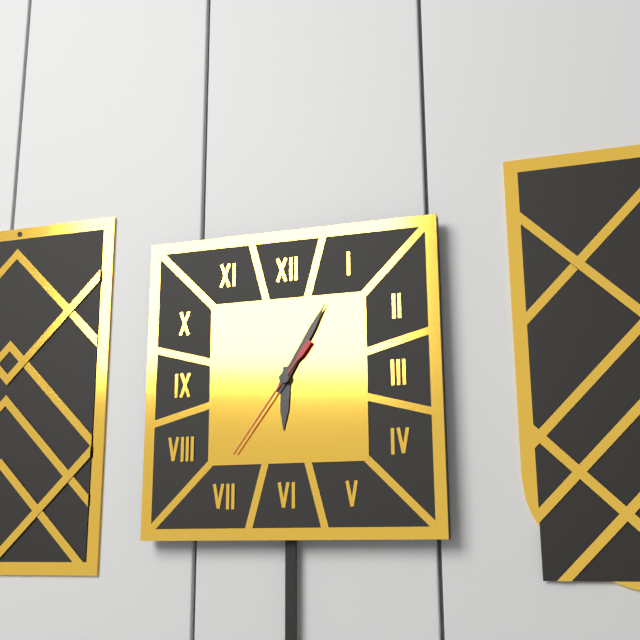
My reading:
**6:05:36**
